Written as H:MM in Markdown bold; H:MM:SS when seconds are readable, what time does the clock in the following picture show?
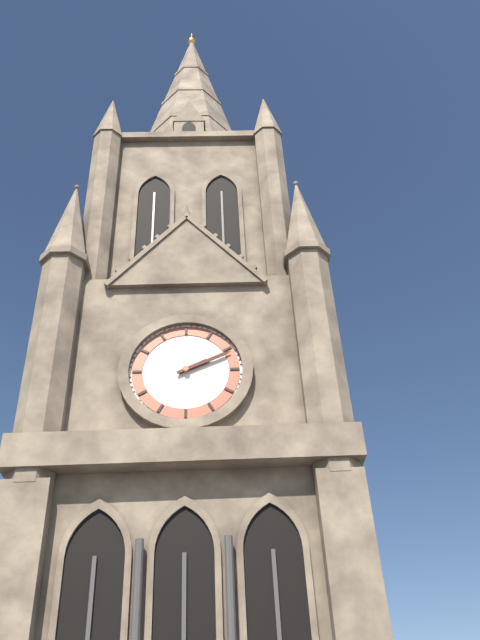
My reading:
**2:11**
